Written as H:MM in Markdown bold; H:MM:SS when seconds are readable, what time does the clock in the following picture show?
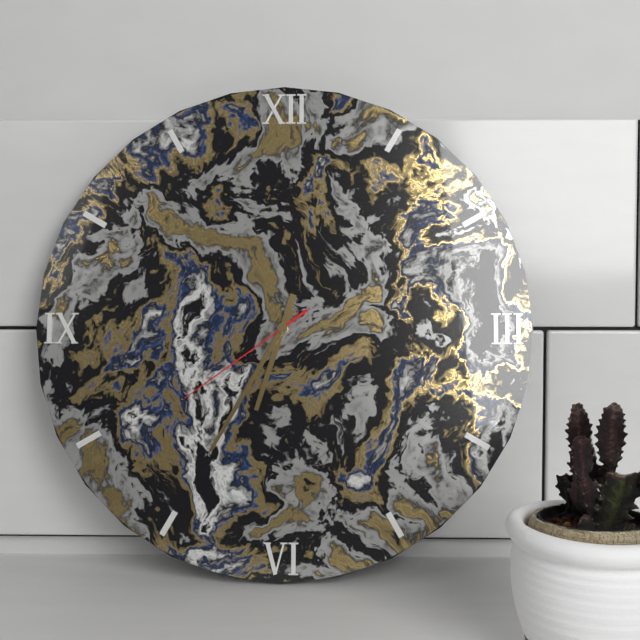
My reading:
**6:35:39**
